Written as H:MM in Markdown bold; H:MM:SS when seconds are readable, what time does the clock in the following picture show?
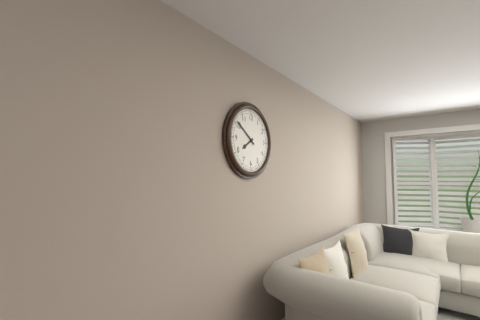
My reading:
**7:51**
